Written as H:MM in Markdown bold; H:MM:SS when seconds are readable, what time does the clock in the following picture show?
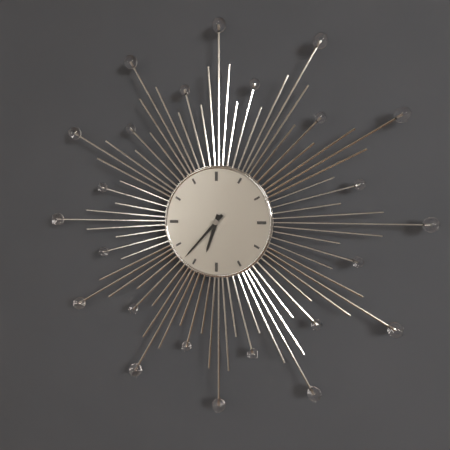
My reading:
**6:37**
